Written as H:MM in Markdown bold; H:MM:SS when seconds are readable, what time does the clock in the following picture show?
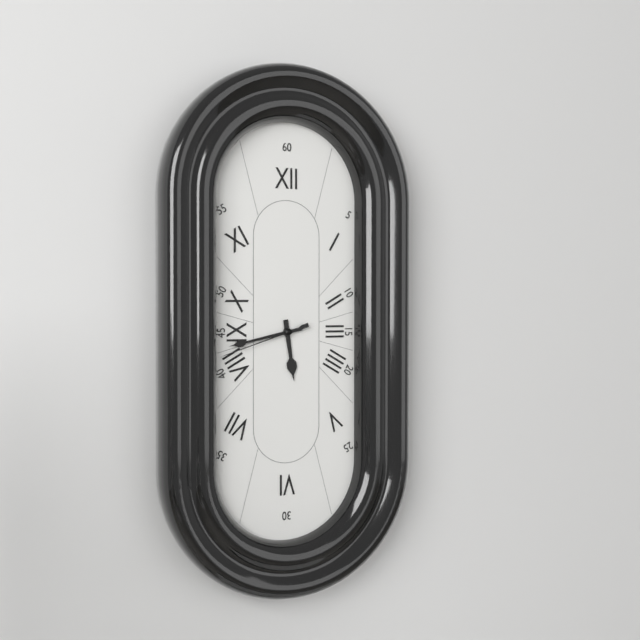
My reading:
**5:43:42**
